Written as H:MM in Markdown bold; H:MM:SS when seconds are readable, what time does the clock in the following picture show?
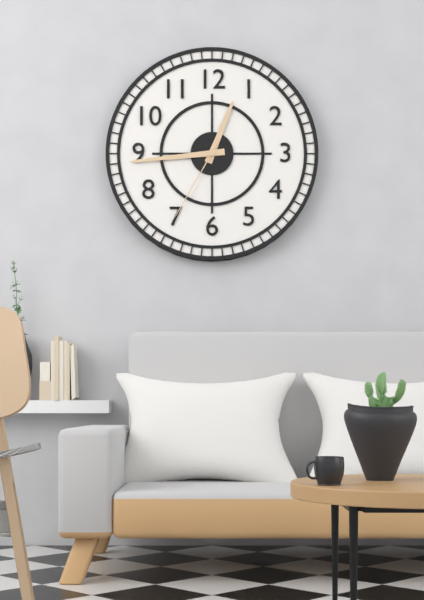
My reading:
**12:44:35**
